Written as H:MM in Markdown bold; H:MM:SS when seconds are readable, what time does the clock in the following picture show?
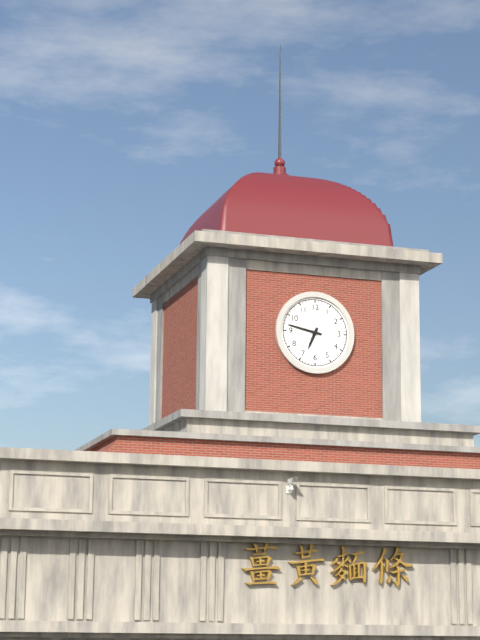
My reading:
**6:47**
